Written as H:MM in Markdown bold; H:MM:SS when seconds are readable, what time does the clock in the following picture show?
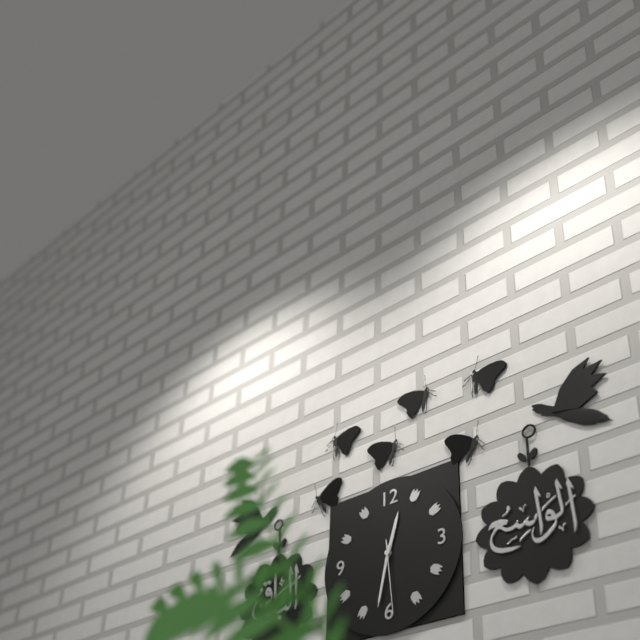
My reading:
**12:32:29**
